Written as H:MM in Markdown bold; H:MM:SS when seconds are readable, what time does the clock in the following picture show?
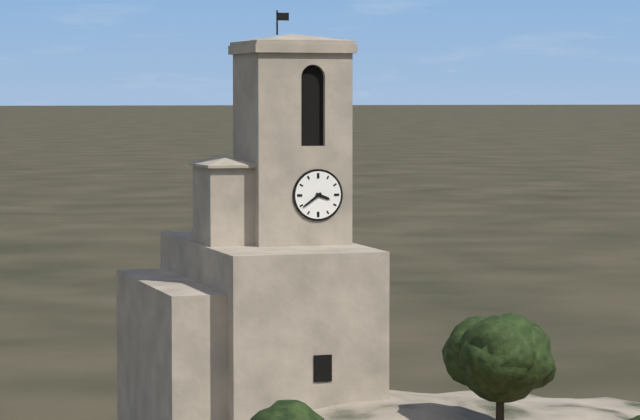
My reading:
**3:39**
